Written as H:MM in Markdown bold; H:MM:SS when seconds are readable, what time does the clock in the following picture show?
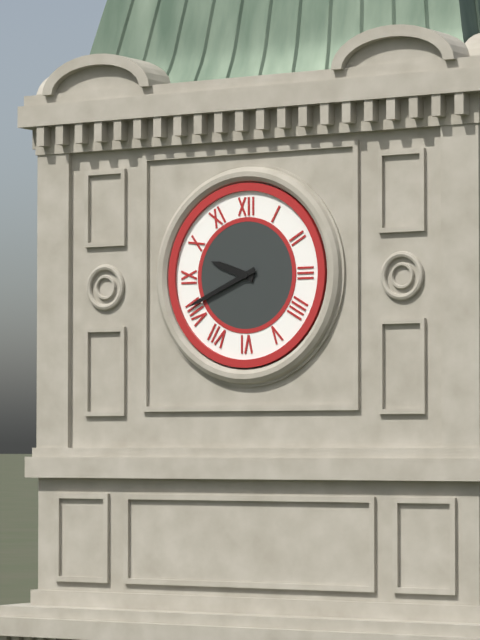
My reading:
**9:41**
